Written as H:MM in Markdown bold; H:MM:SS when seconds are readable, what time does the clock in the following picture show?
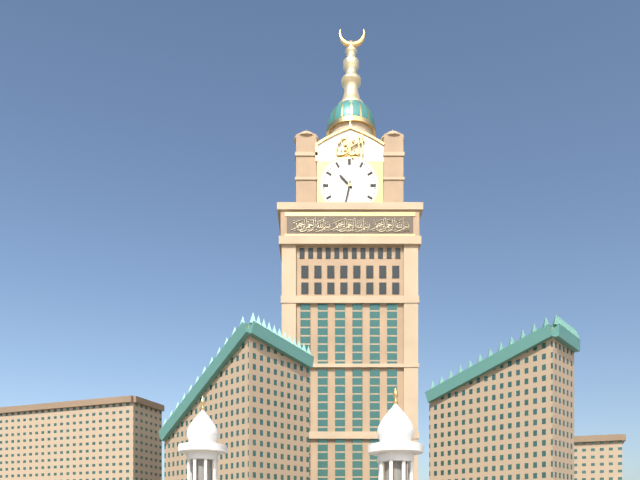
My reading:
**10:32**
